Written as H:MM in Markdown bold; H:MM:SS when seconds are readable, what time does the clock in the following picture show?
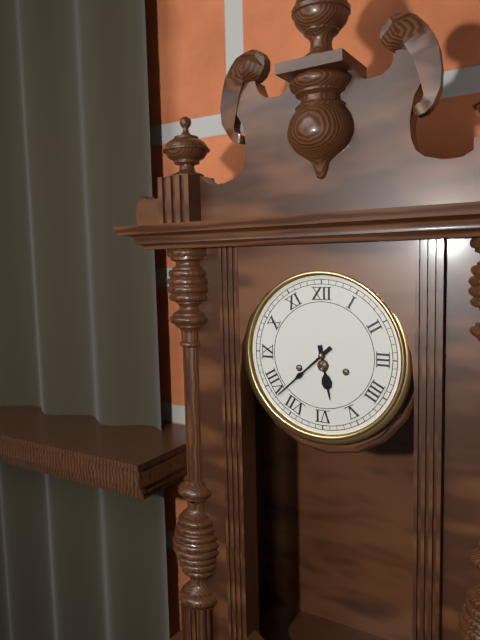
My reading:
**5:38**
